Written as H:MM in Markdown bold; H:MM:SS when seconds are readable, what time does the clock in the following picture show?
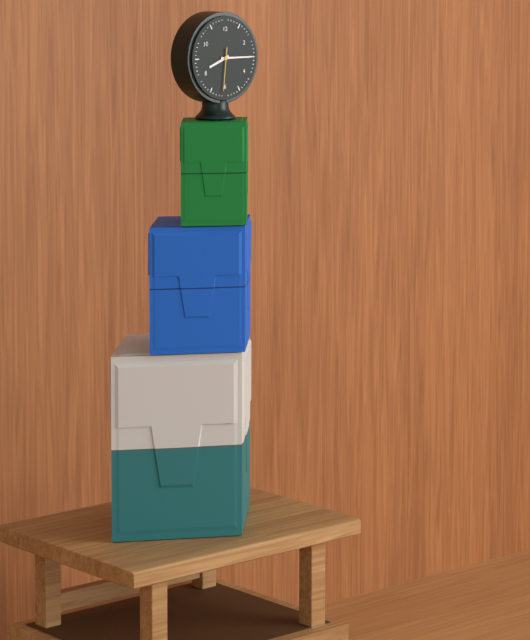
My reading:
**8:15**
